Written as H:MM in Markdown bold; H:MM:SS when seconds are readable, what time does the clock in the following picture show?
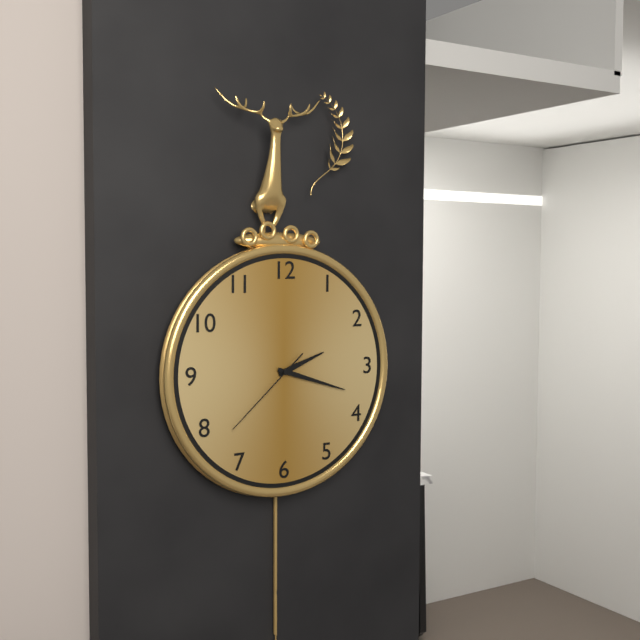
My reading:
**2:18:38**
